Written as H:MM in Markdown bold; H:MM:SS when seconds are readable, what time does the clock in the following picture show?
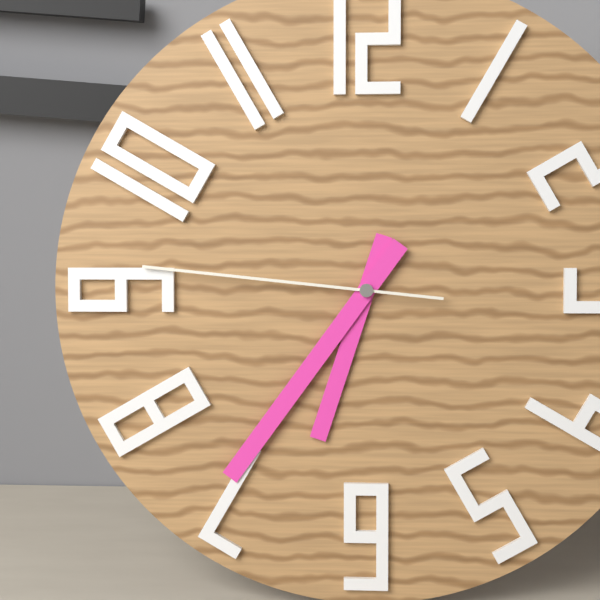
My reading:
**6:36:46**
